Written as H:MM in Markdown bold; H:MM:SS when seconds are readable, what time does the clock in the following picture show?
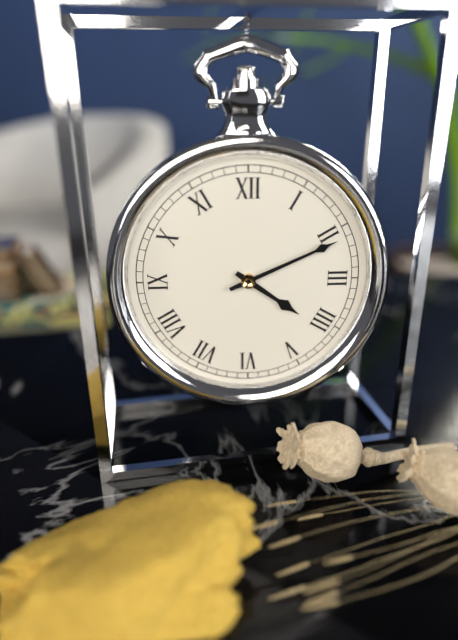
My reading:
**4:11**
